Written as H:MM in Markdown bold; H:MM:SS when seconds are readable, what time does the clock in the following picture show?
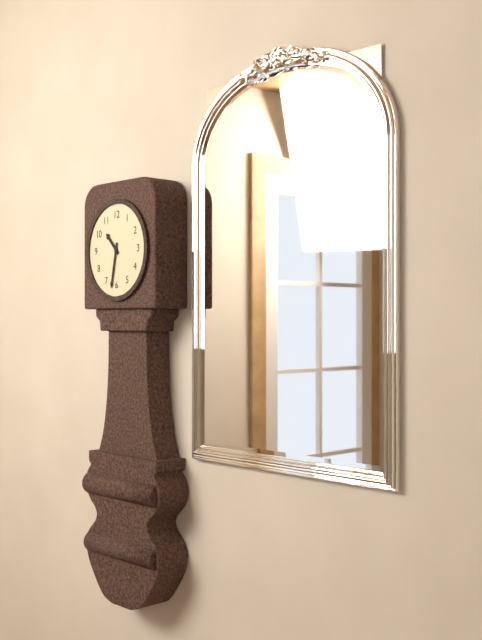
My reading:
**10:32**
